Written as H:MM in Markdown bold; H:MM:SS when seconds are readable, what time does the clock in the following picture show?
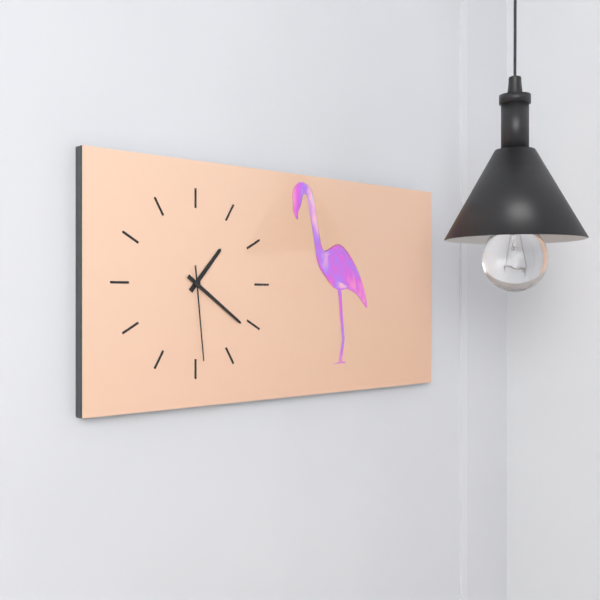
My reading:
**1:21:29**
